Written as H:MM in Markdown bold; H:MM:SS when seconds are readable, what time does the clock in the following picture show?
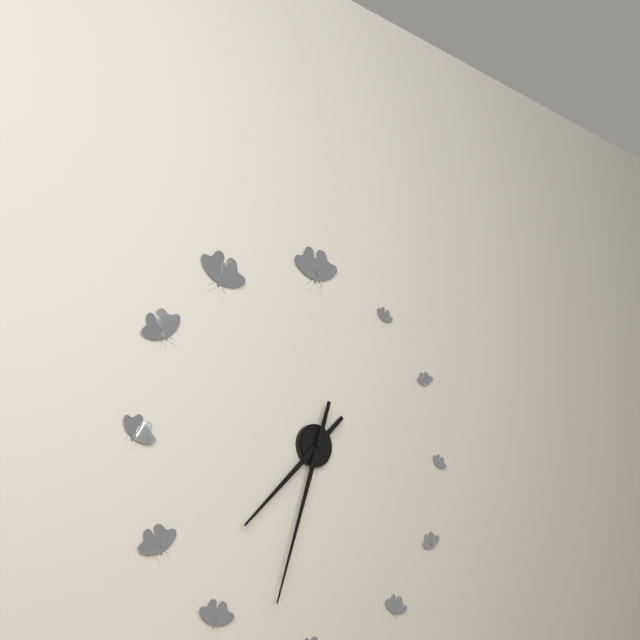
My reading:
**7:33**
